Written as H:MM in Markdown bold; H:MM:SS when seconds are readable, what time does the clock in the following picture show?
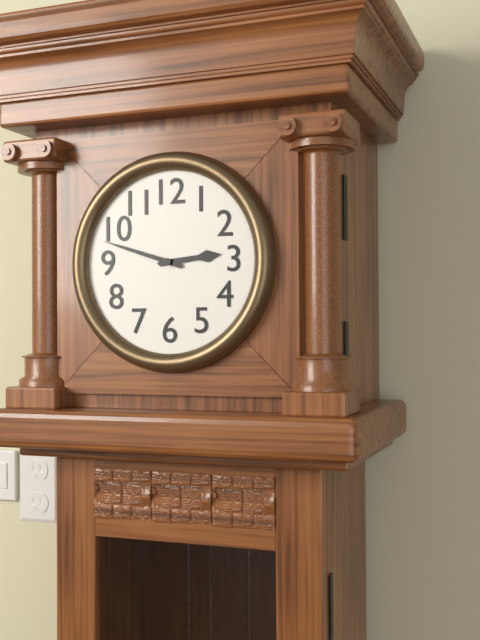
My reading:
**2:48**
